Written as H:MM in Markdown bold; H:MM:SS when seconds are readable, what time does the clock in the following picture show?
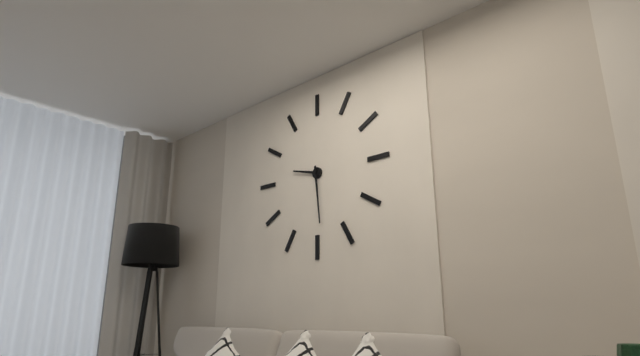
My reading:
**9:29**
